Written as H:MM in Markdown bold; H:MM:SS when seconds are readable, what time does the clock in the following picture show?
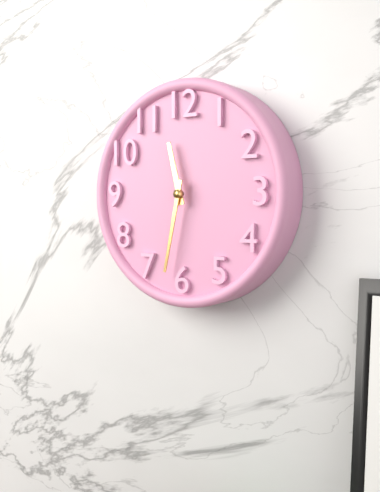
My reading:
**11:32**
